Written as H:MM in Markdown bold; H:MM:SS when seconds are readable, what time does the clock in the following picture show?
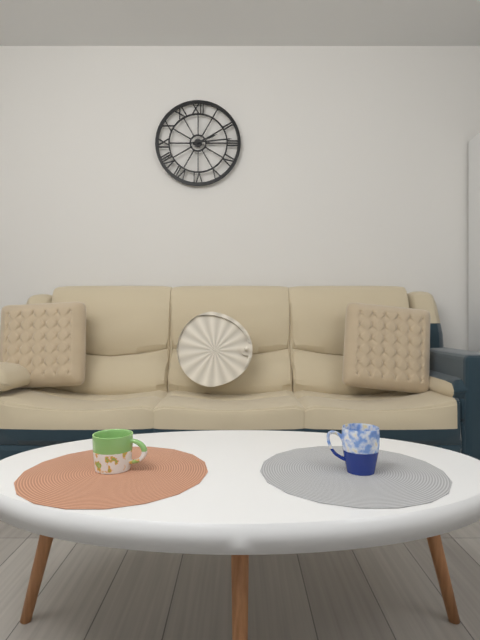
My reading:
**2:14**
